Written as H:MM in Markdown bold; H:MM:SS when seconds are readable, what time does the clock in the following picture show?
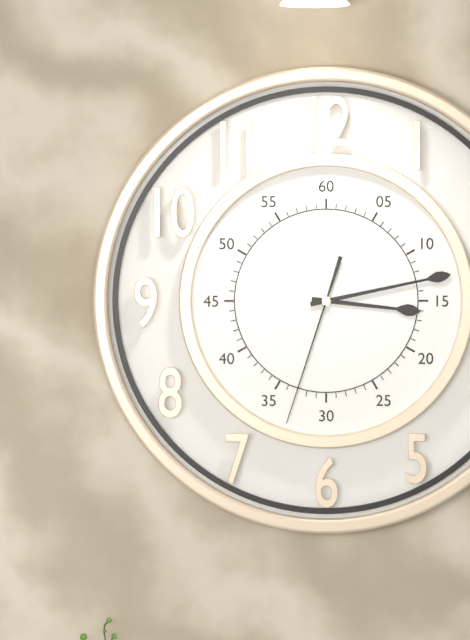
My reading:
**3:13:33**
